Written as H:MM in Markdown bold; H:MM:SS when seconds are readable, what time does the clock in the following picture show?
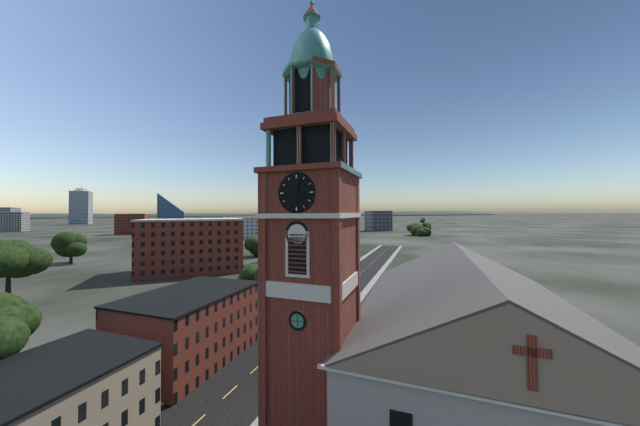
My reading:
**1:03**
